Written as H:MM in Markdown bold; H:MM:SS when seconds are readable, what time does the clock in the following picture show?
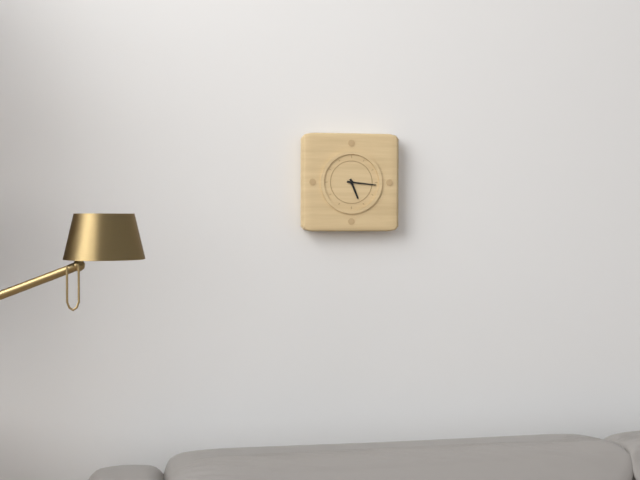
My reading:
**5:16**
